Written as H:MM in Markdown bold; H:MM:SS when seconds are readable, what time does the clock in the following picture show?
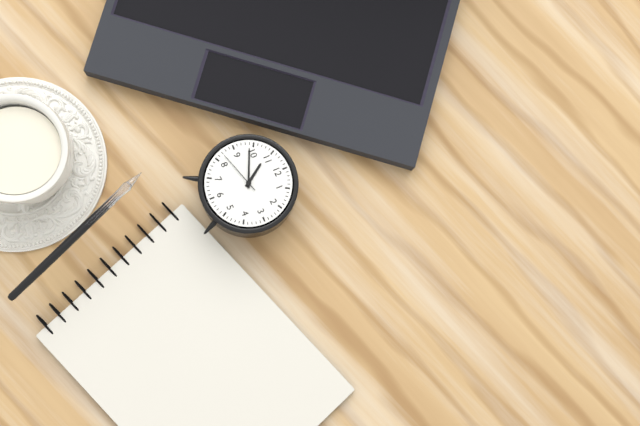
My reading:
**10:49**
